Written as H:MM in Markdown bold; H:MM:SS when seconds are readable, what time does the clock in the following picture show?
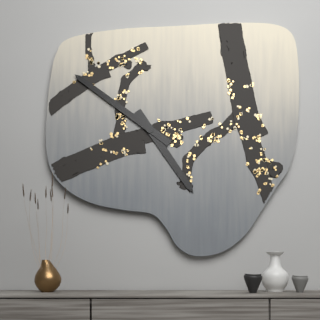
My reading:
**4:51**
